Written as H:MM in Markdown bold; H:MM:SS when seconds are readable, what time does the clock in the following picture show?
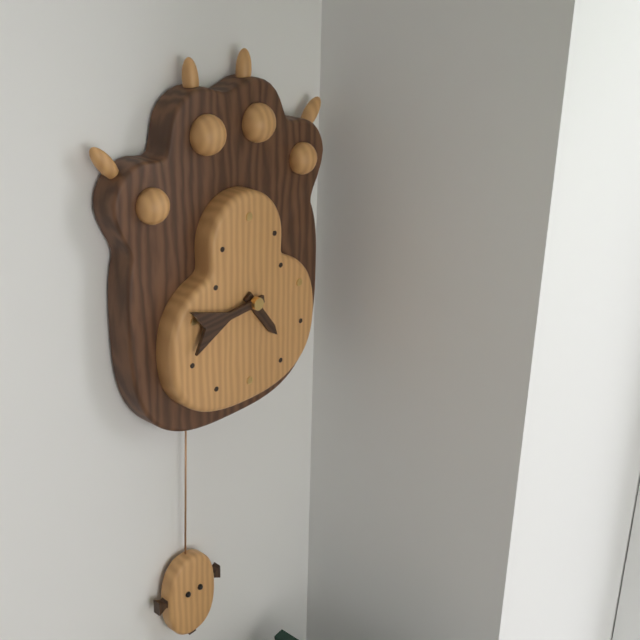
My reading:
**4:44**
